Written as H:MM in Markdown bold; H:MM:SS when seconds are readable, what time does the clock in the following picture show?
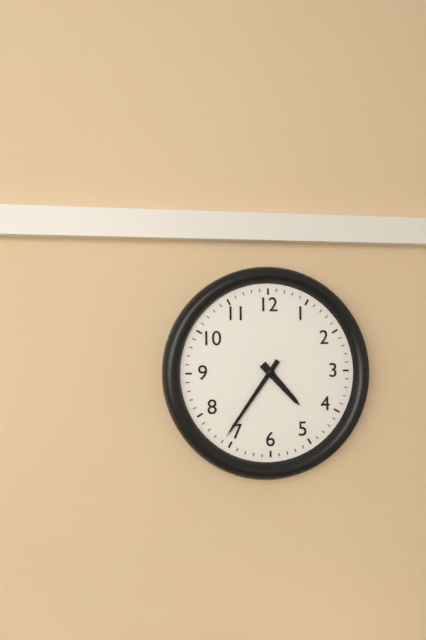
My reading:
**4:36**
